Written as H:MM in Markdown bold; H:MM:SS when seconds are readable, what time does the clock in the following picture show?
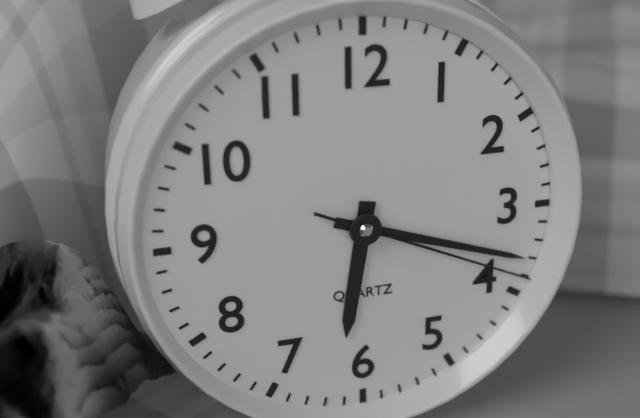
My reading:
**6:18:19**
